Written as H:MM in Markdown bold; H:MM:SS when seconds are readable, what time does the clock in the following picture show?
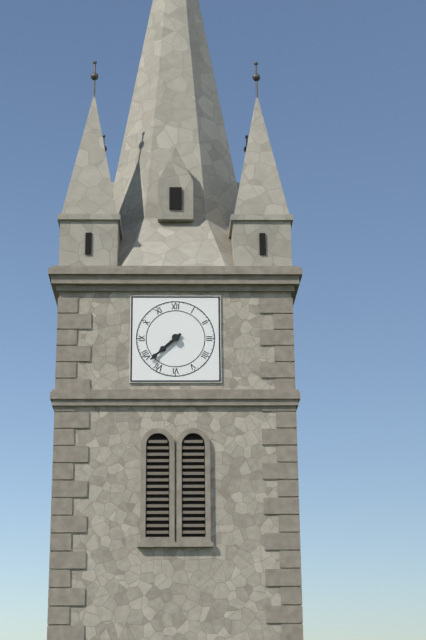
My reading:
**7:38**
